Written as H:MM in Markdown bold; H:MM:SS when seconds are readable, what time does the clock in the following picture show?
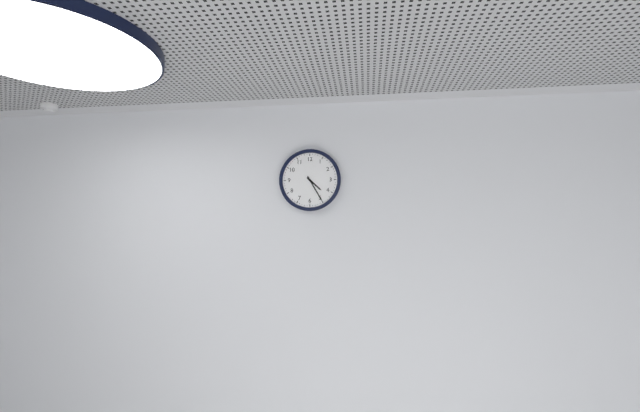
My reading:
**4:25**
